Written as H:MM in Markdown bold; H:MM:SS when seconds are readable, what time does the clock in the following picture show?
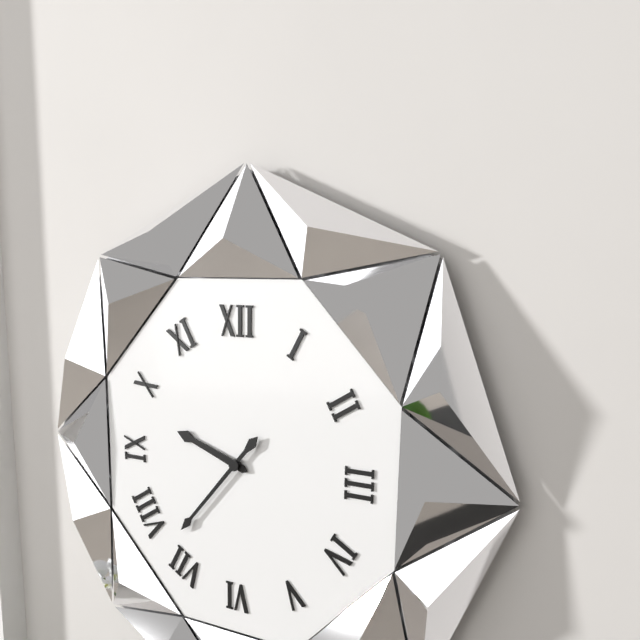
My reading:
**9:37**
